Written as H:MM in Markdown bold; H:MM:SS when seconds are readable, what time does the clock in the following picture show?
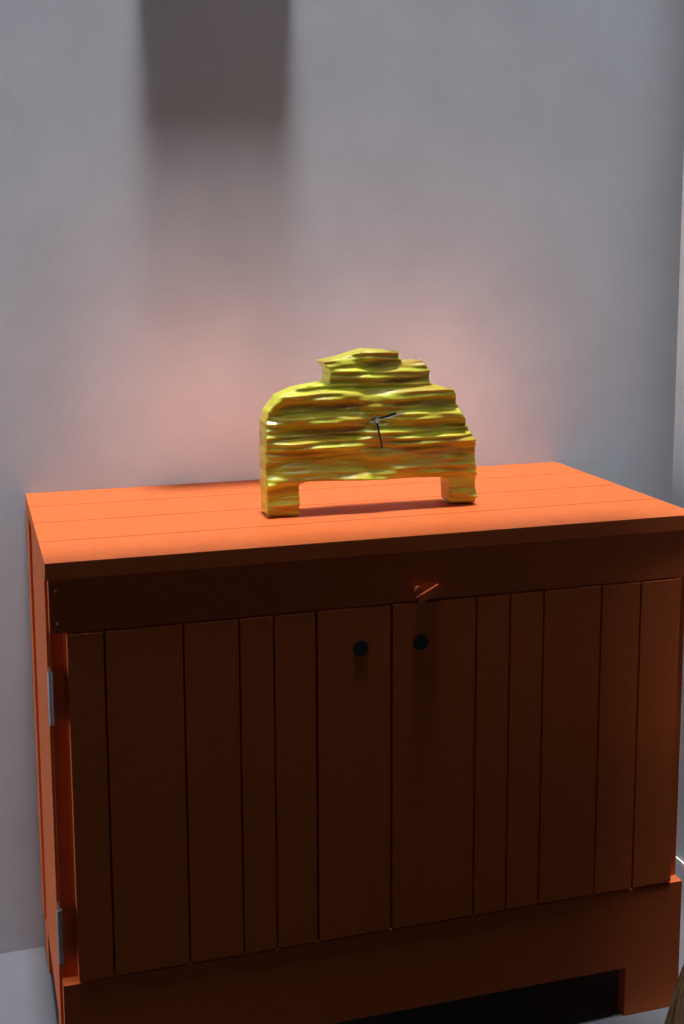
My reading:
**2:28**
